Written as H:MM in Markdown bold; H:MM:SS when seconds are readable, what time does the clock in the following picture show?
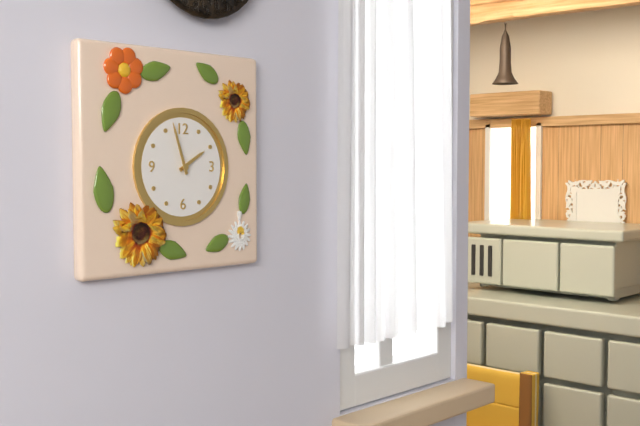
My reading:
**1:57**
